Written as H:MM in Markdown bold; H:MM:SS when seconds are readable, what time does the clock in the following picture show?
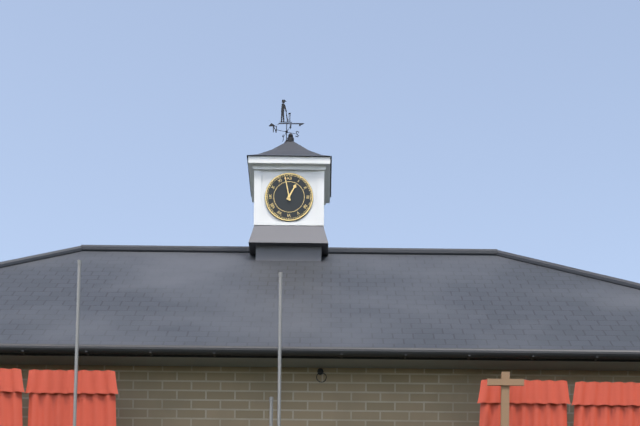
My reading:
**12:58**
